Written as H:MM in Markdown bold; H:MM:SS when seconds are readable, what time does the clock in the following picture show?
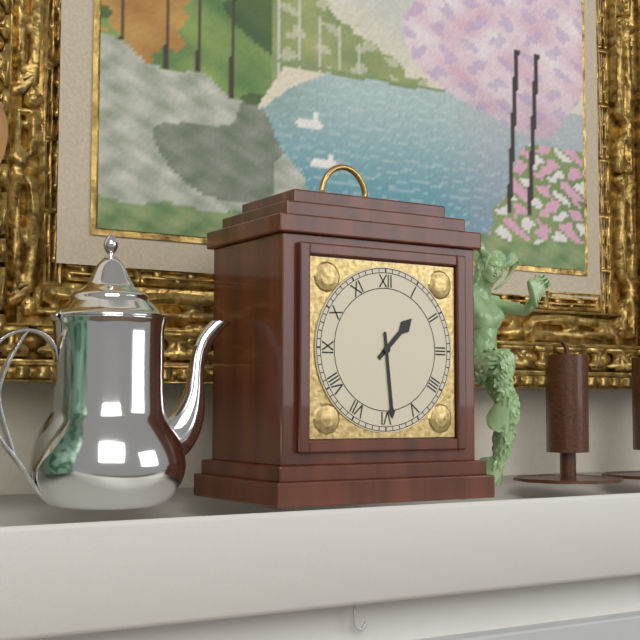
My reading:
**1:29**
